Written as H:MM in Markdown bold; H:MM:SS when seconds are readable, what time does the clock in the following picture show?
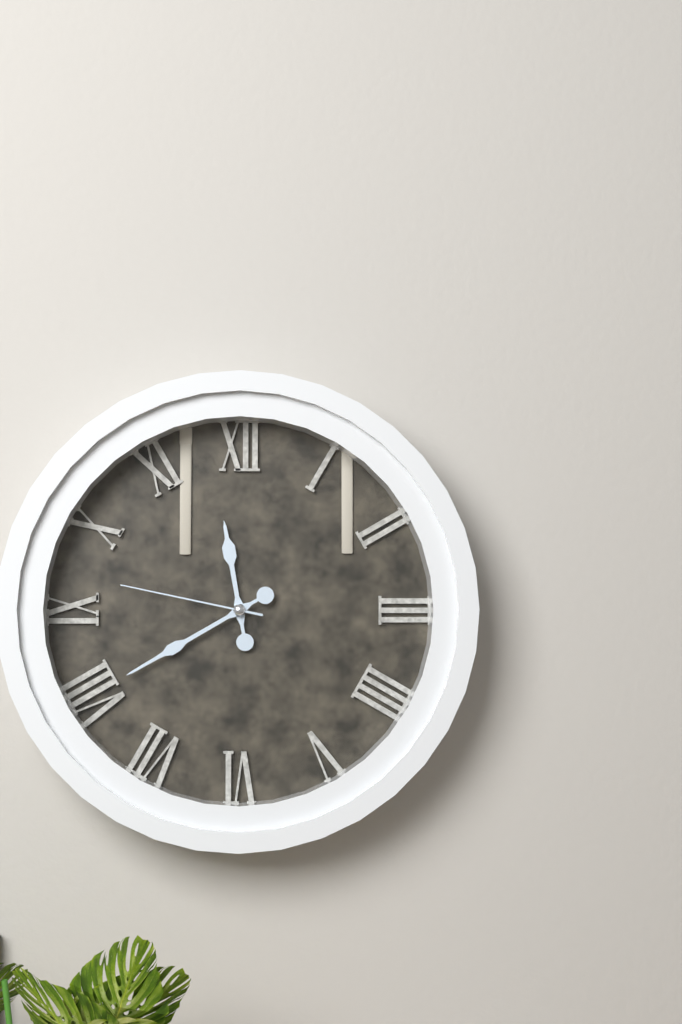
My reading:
**11:40:47**
